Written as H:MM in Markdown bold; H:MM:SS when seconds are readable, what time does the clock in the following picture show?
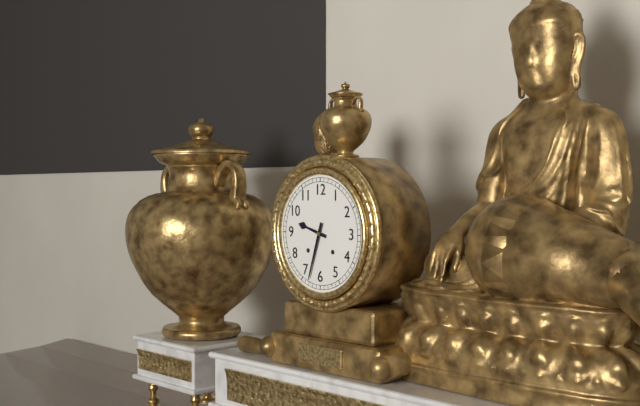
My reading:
**9:33**
